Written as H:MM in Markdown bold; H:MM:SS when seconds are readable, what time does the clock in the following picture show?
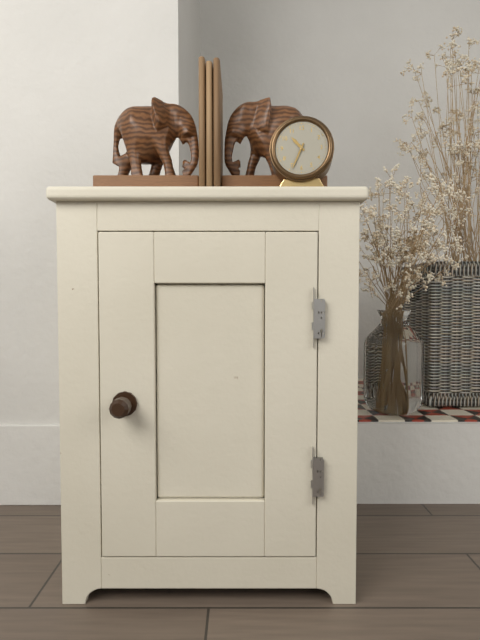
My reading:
**10:34**
